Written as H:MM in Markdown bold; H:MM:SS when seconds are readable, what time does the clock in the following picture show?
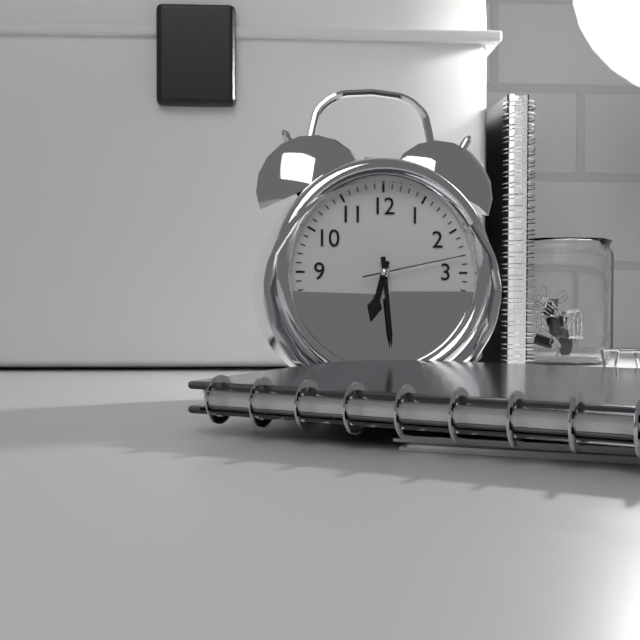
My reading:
**6:29:13**
